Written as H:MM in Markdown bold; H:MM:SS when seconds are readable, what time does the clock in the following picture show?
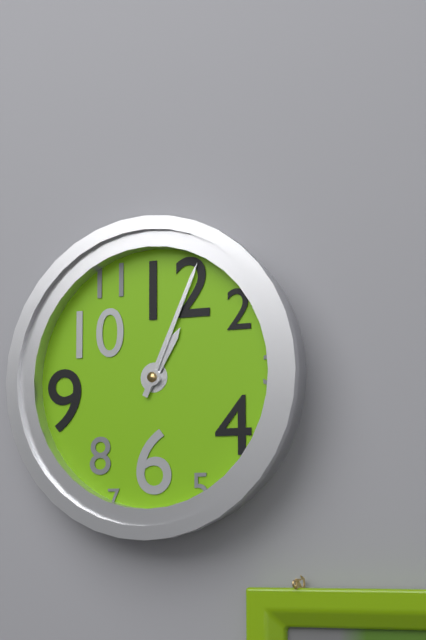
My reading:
**1:04**
